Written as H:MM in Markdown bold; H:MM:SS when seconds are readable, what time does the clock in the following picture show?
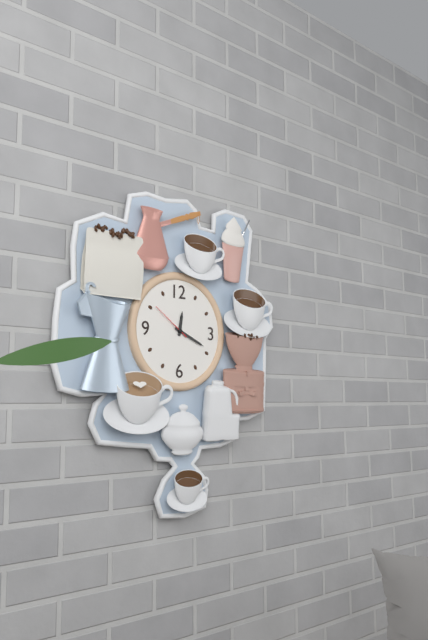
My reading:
**12:19**
